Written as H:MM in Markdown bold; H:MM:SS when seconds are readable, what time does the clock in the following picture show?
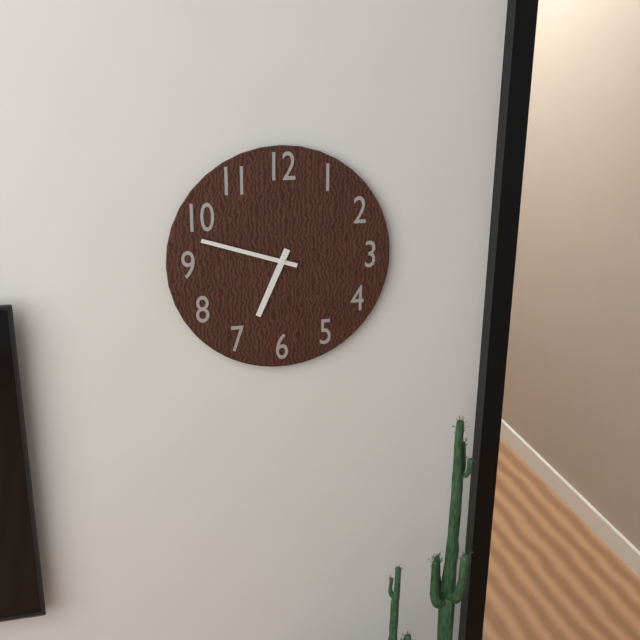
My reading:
**6:48**
